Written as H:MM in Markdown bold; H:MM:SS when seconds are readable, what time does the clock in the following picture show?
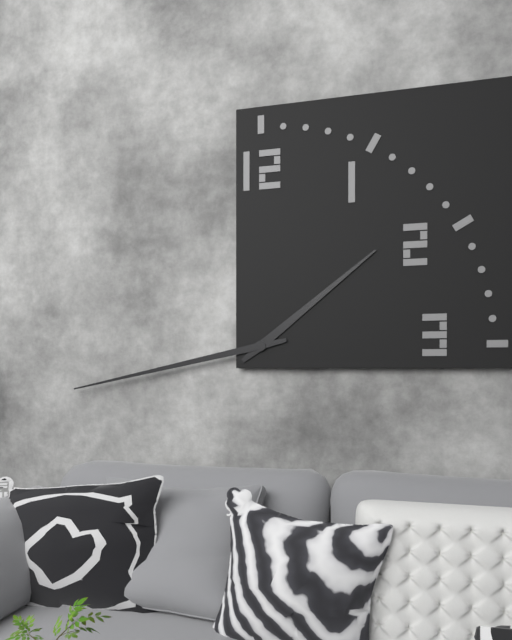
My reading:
**1:43**
